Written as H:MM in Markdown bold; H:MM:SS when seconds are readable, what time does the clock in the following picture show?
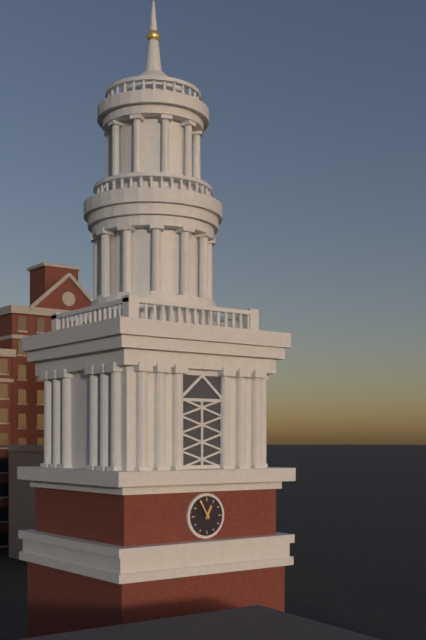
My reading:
**12:55**
